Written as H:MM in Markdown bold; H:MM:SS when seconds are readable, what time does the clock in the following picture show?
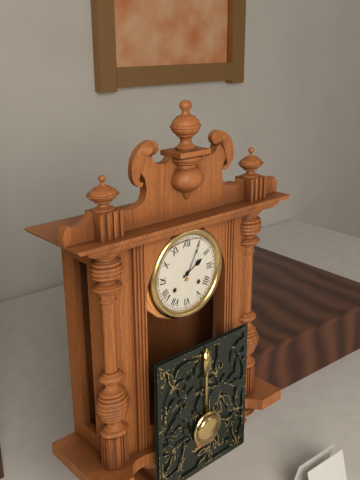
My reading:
**2:05**
